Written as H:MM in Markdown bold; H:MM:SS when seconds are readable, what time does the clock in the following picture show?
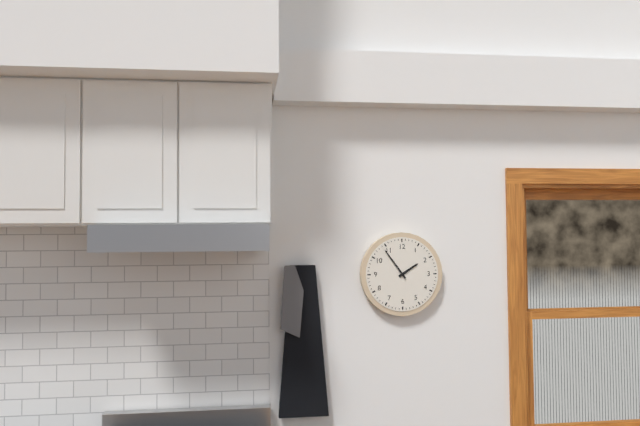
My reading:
**1:54**
